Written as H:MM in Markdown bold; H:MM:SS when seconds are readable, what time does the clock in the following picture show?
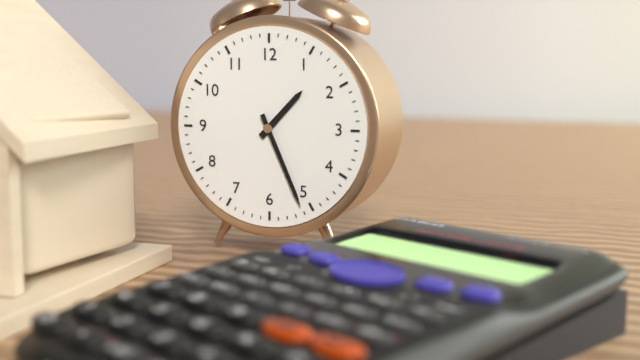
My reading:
**1:26**
